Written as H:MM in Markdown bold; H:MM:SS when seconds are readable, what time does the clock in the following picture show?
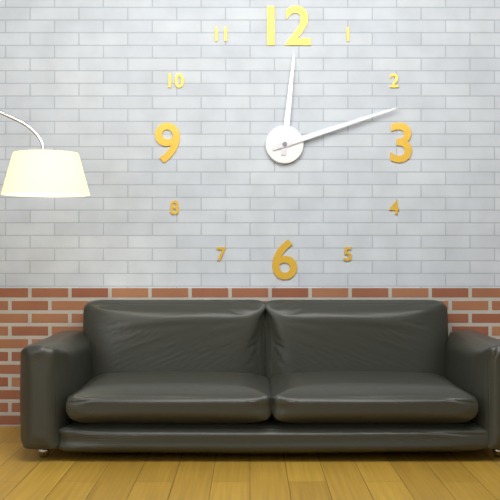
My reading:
**12:12**
